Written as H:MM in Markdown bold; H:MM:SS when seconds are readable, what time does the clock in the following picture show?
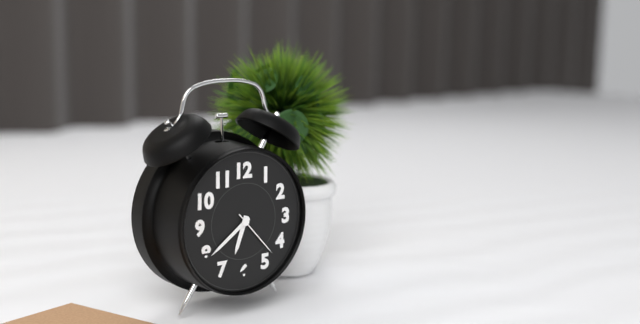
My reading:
**6:39:23**
